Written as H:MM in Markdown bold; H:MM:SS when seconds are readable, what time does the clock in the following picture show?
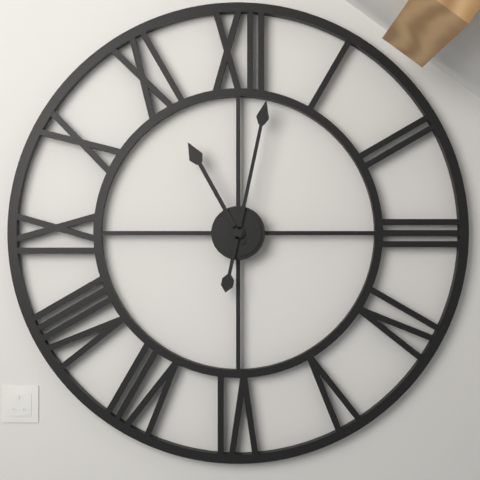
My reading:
**11:02**
